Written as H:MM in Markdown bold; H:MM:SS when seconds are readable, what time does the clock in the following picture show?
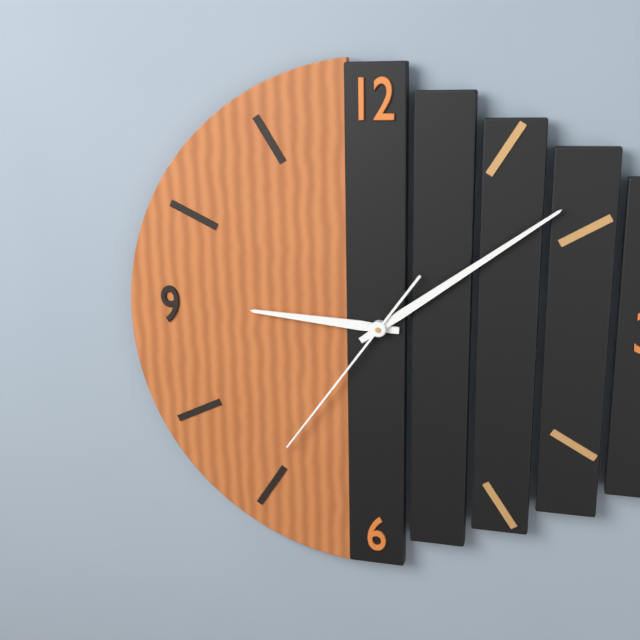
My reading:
**9:09:36**
